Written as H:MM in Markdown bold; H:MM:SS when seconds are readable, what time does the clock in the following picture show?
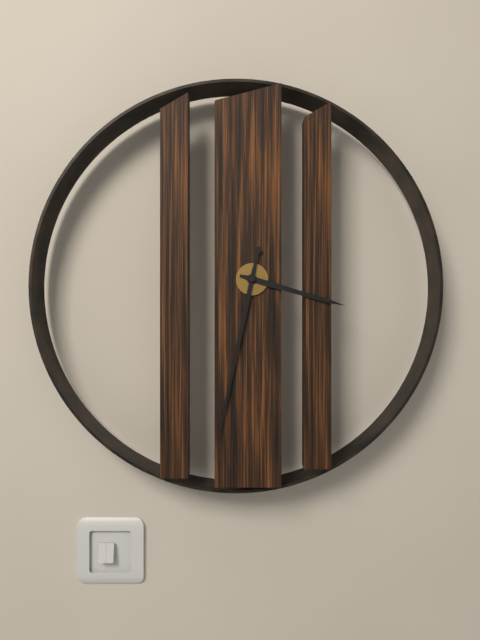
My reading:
**3:32**
